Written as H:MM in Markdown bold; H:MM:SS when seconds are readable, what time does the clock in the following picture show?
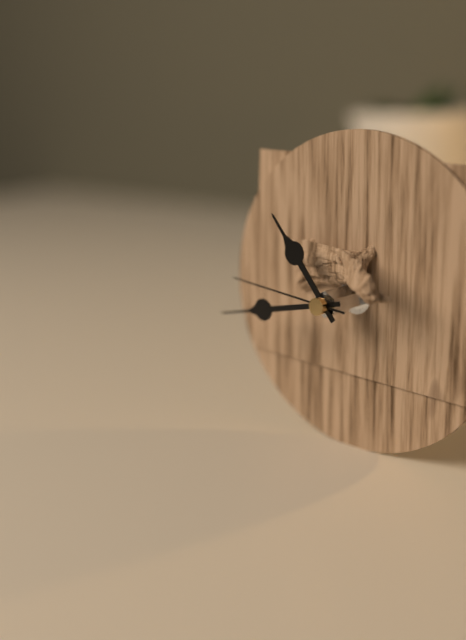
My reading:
**10:43:46**
